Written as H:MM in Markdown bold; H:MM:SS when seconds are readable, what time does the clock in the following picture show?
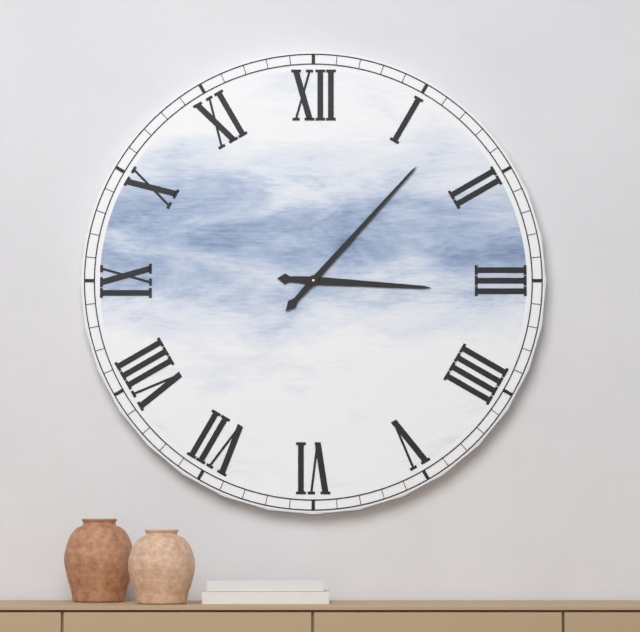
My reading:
**3:07**
